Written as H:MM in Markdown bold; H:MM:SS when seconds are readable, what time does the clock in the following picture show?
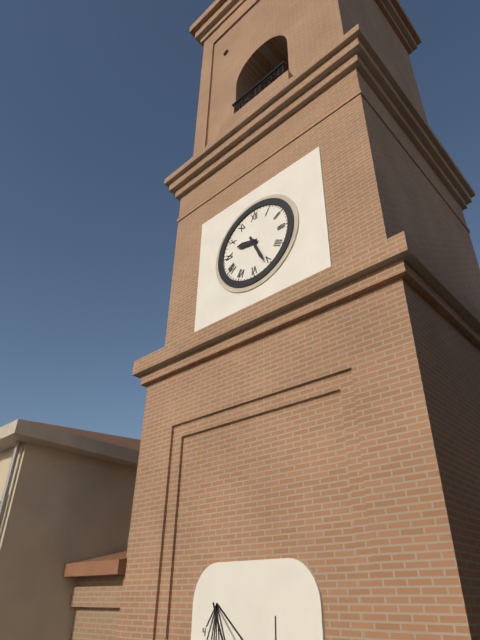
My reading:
**9:26**
